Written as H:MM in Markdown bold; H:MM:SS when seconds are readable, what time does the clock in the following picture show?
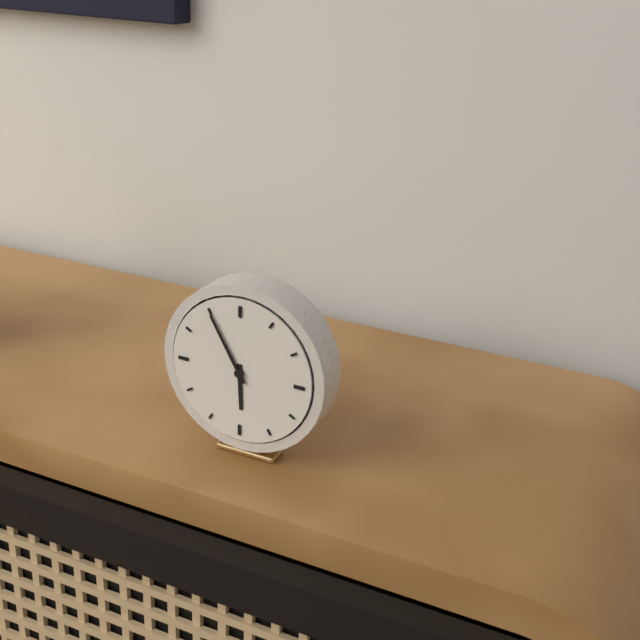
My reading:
**5:55**
